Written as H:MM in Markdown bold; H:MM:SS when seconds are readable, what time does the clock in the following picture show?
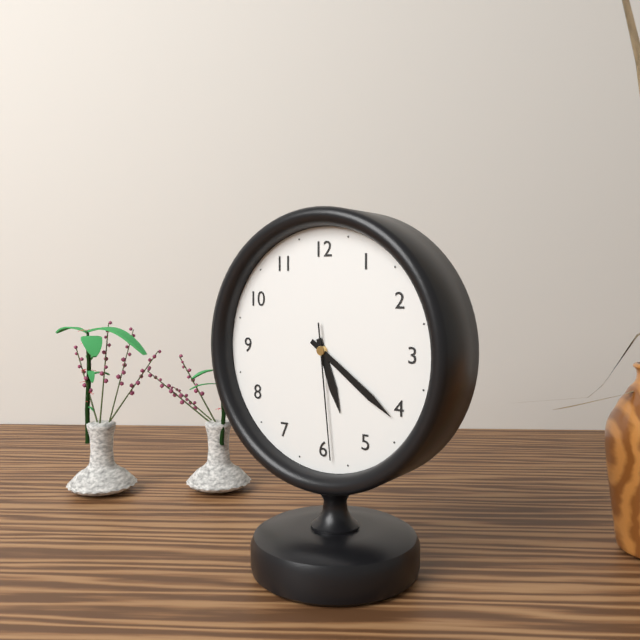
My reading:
**5:21:29**
